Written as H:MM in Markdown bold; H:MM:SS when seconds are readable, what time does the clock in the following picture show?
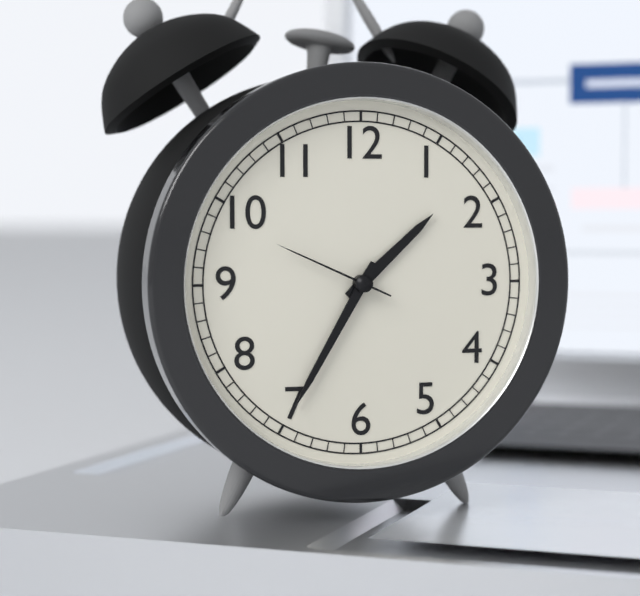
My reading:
**1:35:49**
